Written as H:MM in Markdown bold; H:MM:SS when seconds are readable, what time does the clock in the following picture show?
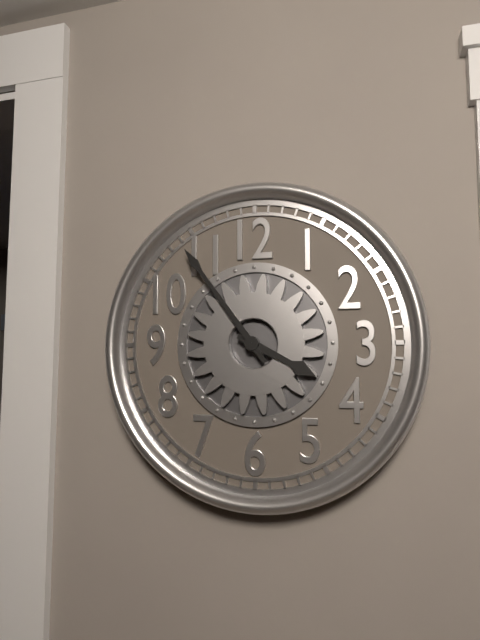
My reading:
**3:54**
